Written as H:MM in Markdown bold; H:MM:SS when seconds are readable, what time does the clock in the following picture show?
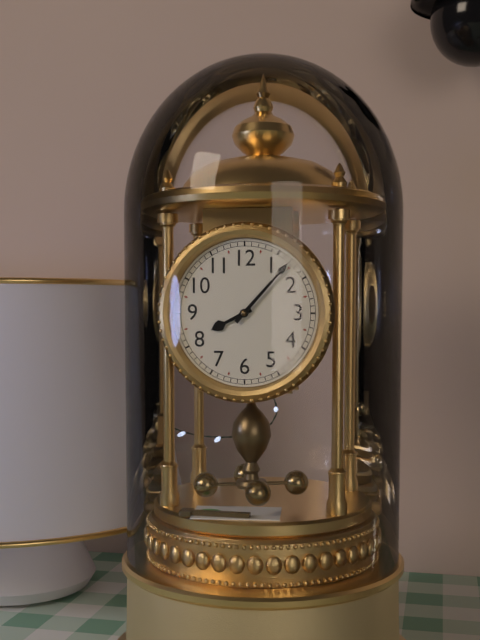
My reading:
**8:07**
